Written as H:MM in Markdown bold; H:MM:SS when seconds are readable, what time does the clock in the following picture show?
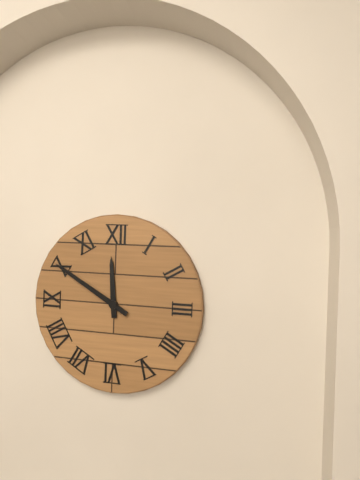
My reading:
**11:50**
